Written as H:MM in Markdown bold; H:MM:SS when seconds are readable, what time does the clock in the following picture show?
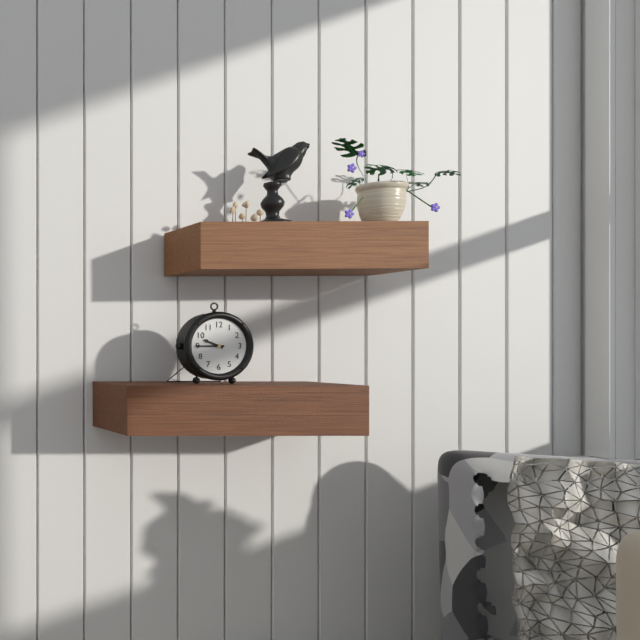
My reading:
**9:45**
